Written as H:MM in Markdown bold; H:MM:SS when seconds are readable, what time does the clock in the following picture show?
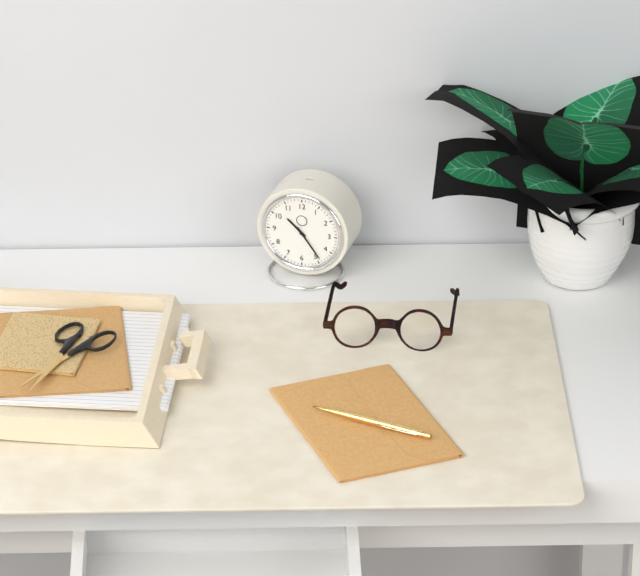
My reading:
**10:24**
